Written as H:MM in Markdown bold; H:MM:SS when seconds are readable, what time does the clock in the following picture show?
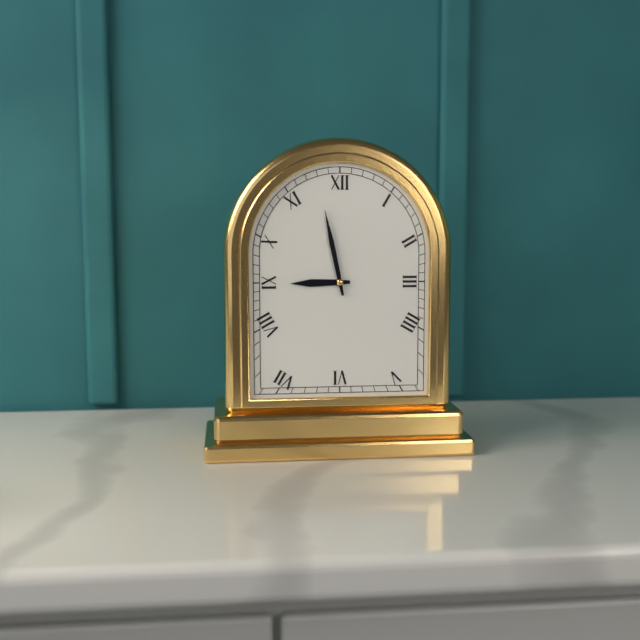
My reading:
**8:58**
